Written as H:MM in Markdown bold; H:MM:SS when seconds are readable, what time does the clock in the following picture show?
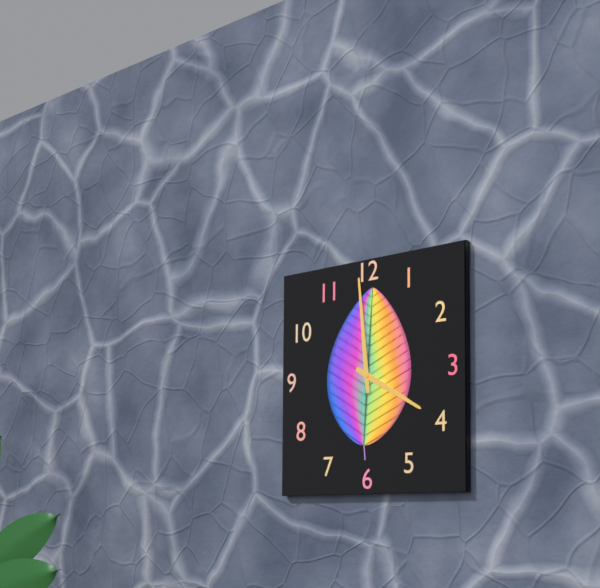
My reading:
**3:59**
